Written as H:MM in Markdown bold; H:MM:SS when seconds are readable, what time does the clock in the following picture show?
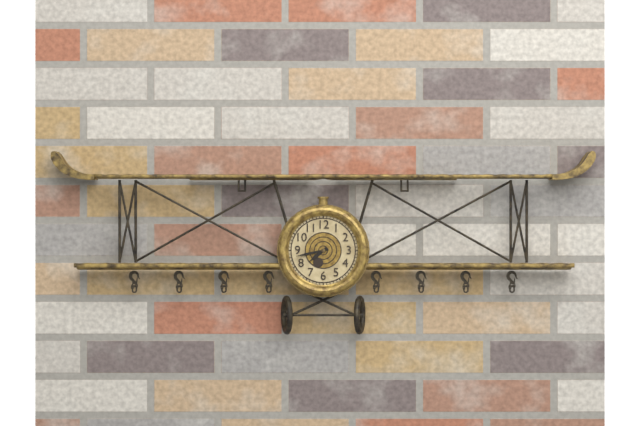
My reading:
**7:43**
